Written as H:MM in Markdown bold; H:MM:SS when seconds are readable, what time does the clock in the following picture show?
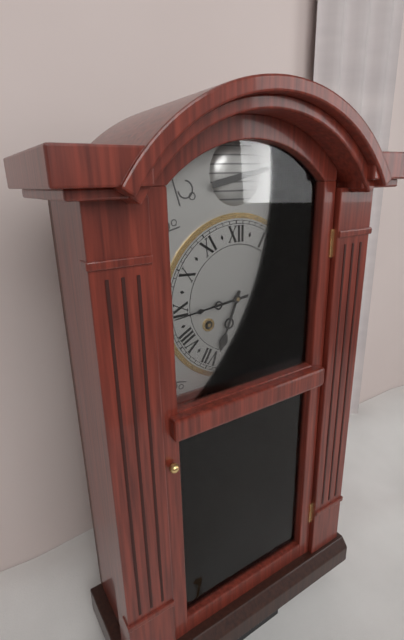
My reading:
**6:44**
